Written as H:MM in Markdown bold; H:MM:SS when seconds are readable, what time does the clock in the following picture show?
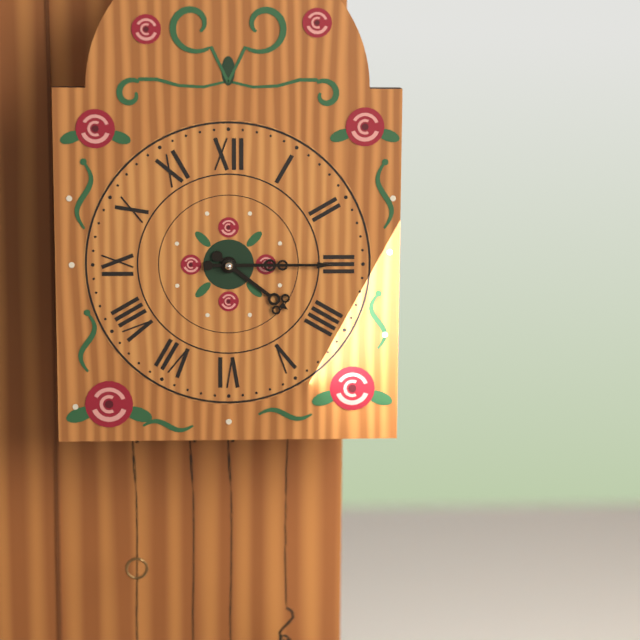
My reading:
**4:15**
